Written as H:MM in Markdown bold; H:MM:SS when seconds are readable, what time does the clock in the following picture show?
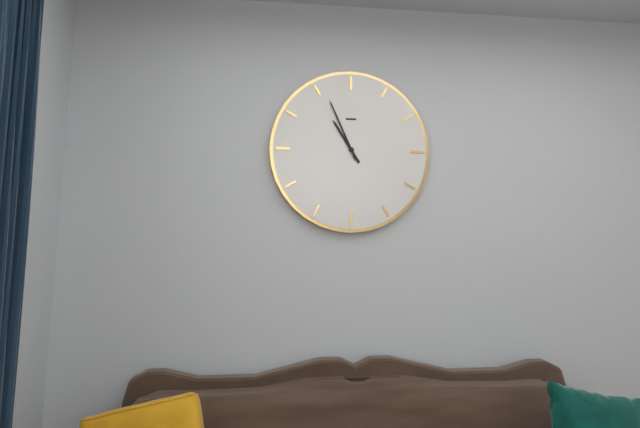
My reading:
**10:56**
